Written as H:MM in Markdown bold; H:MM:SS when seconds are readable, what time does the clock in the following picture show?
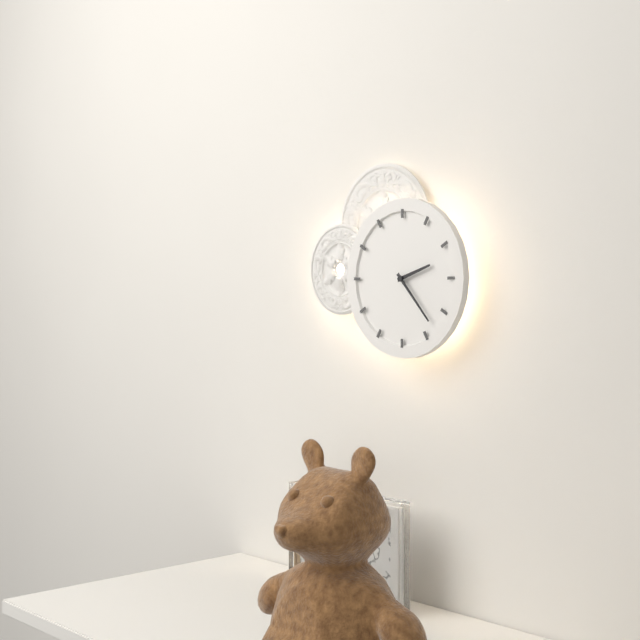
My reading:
**2:23**
